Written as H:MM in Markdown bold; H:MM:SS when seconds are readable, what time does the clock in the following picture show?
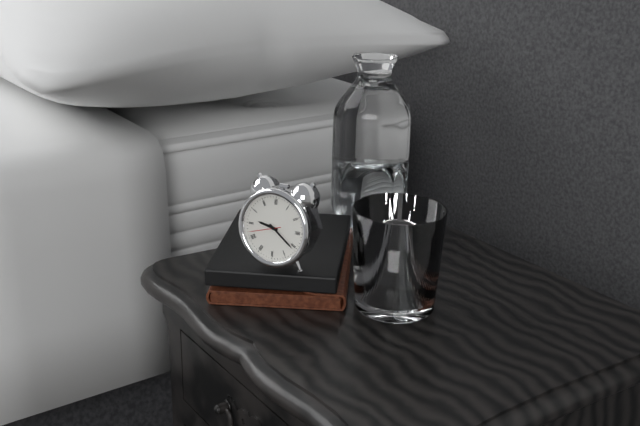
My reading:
**9:21**
